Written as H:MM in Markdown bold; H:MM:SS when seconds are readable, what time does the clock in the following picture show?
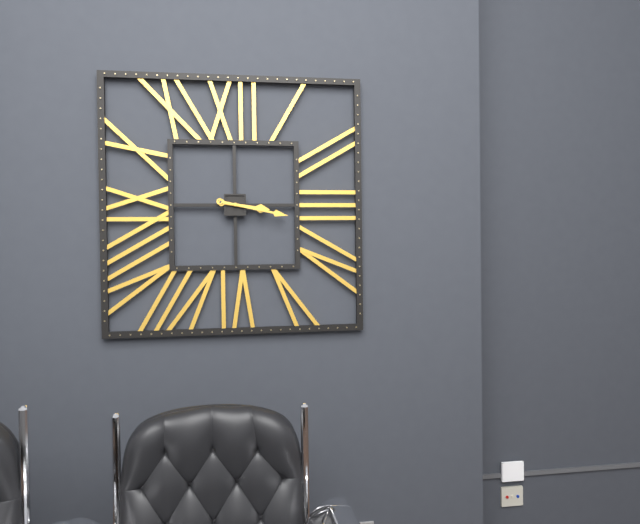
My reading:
**3:17**
